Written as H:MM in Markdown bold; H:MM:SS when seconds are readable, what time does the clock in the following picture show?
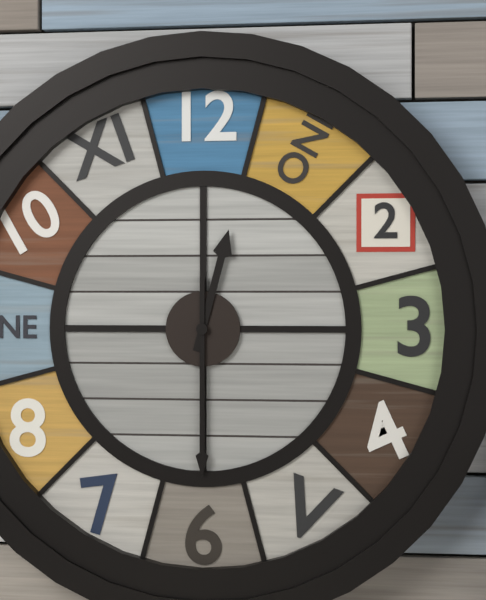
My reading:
**12:30**
